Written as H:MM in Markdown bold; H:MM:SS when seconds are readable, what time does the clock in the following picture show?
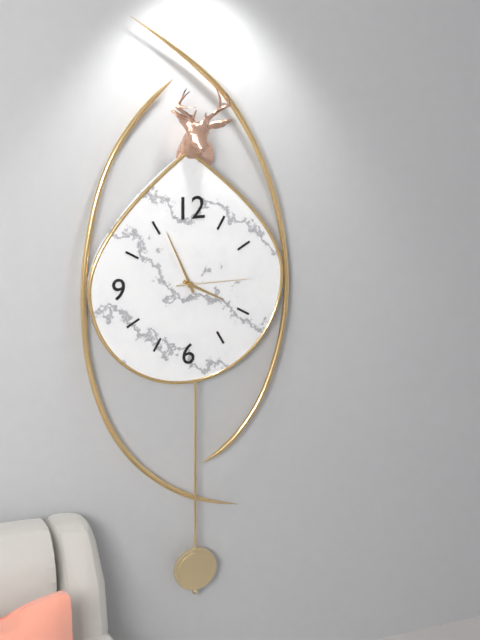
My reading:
**3:56:15**
